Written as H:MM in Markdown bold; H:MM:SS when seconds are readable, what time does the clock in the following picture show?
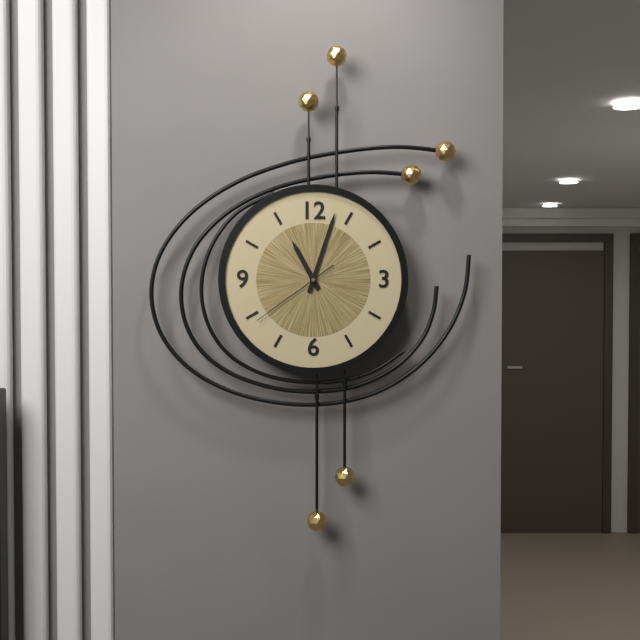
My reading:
**11:03:39**
